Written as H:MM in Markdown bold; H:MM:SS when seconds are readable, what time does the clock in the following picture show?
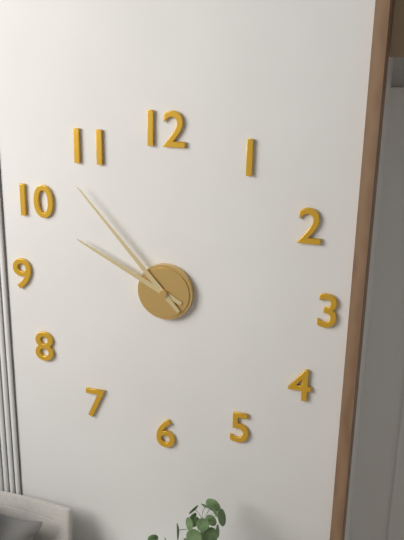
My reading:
**9:53**
